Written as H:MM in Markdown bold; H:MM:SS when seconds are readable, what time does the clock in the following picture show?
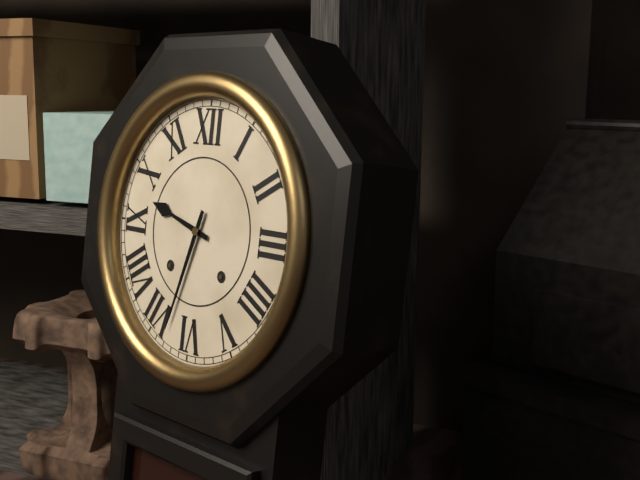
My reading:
**9:33**
